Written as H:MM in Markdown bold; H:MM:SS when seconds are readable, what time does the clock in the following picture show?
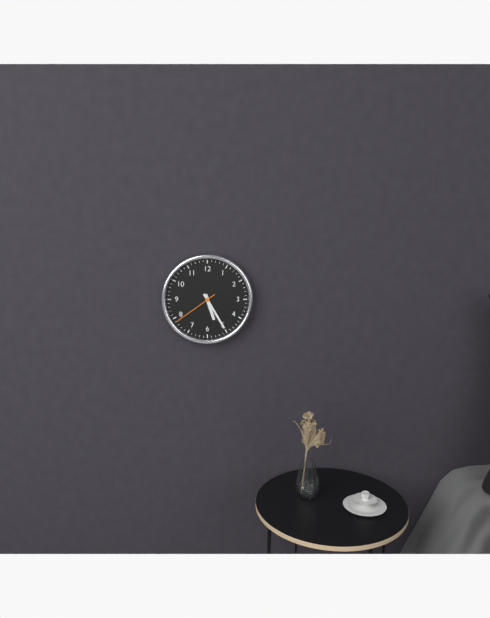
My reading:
**5:25**
